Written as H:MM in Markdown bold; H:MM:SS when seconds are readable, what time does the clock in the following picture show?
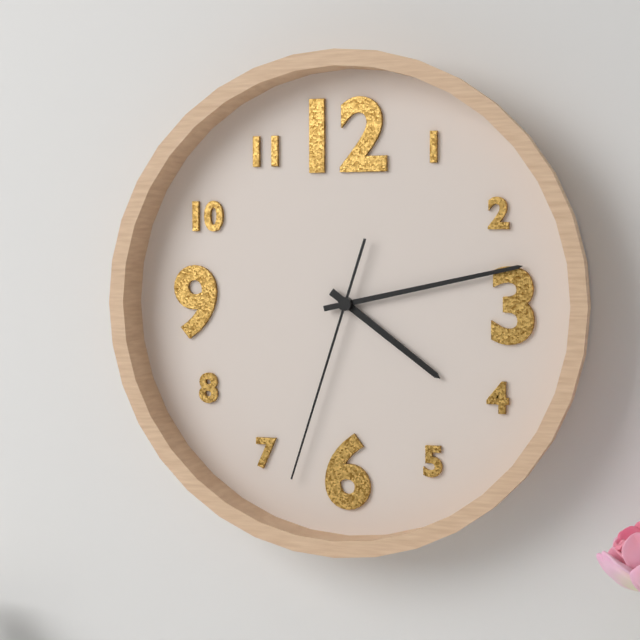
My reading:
**4:13:33**
